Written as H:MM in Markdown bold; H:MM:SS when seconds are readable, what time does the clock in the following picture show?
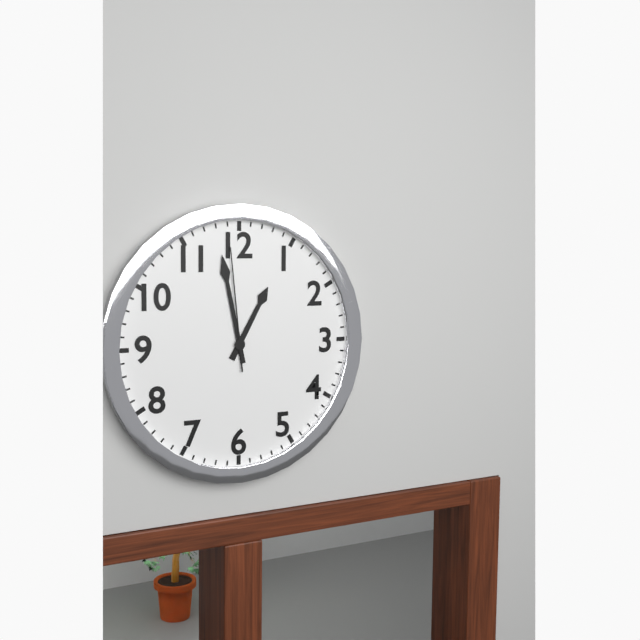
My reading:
**12:58:59**
